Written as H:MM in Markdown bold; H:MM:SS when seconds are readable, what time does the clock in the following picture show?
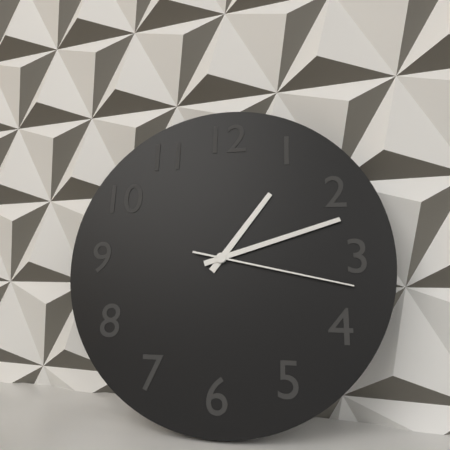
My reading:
**1:12:17**
